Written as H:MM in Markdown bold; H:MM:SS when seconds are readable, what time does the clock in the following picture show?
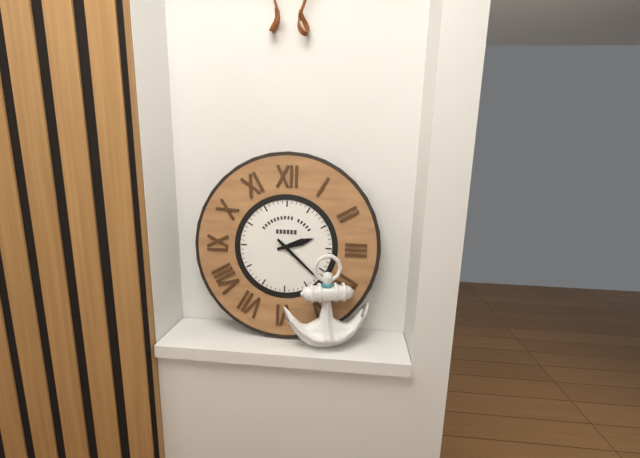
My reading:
**2:22**
